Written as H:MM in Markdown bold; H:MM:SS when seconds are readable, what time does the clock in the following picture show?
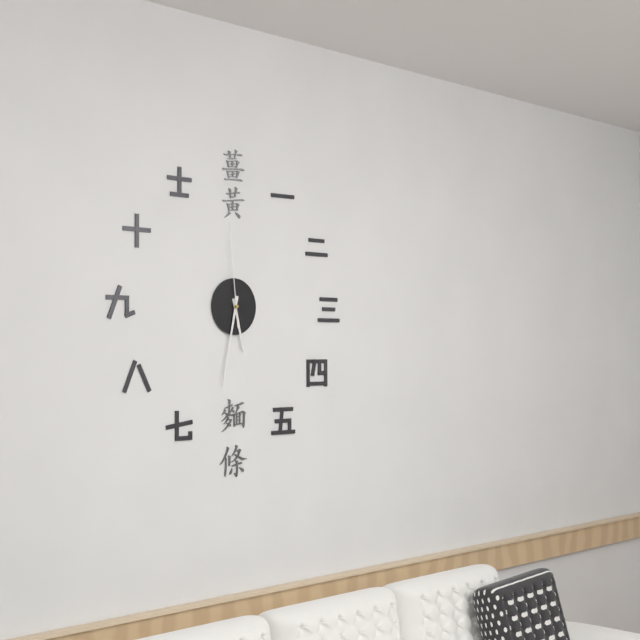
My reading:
**5:32:59**
